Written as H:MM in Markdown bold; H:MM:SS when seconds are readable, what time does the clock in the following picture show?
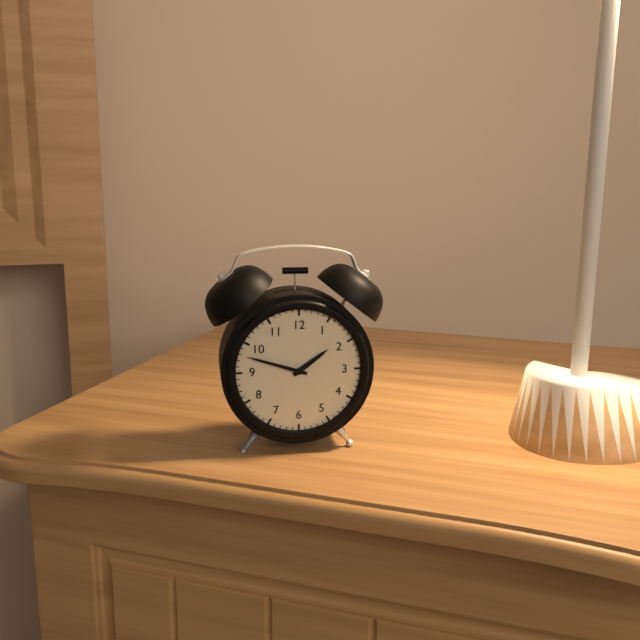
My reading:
**1:48**
